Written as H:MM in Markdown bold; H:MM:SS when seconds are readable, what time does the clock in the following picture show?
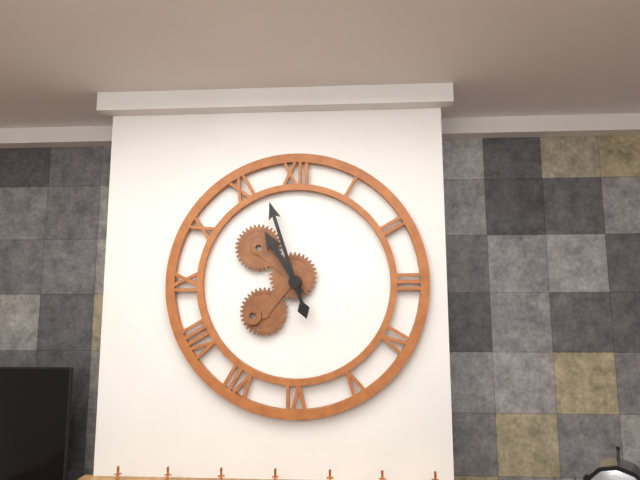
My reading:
**10:57**
